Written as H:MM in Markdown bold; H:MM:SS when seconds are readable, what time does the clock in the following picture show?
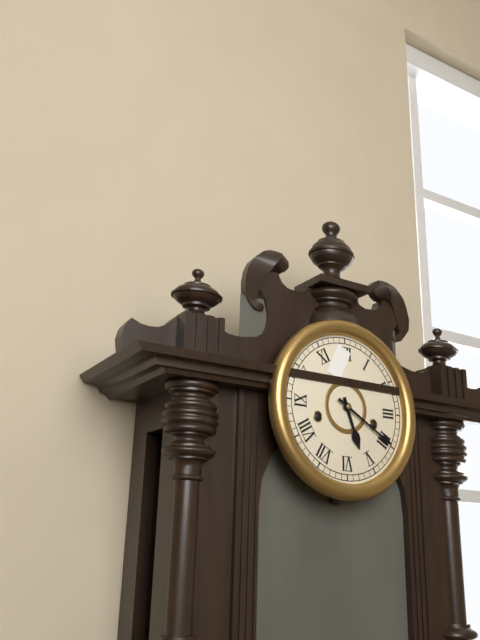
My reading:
**5:20**
